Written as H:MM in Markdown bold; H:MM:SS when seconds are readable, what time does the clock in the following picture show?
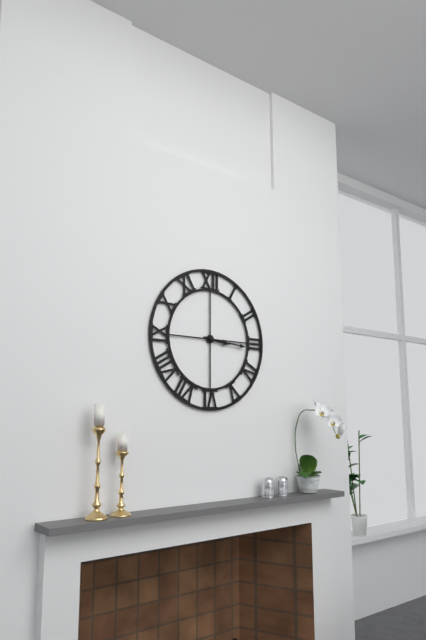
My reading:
**3:16**
